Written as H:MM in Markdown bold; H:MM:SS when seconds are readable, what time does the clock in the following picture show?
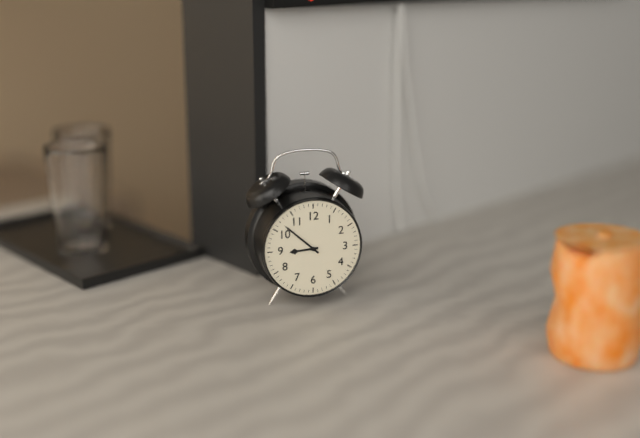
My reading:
**8:52**
